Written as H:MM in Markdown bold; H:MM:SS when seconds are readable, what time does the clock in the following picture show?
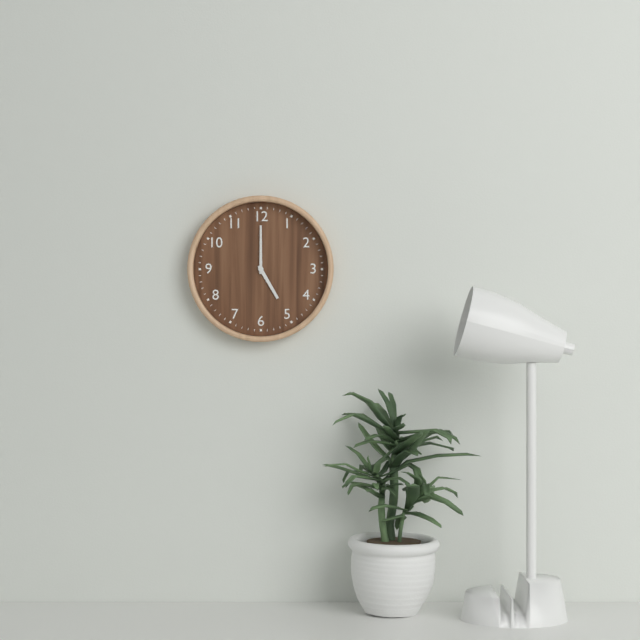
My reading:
**5:00**
